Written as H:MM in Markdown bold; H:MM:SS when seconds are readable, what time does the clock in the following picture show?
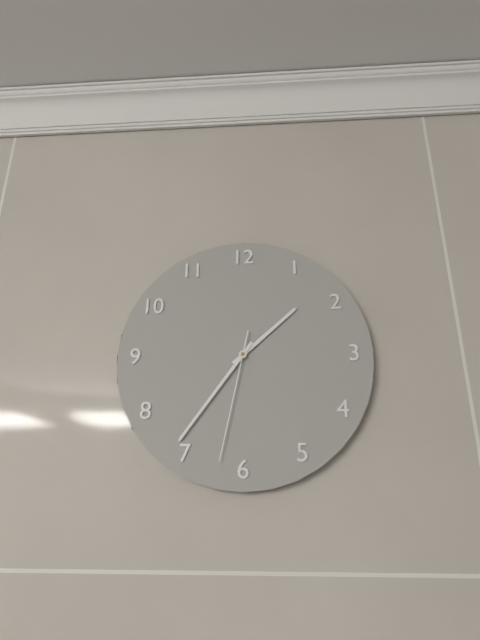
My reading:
**1:36:32**
